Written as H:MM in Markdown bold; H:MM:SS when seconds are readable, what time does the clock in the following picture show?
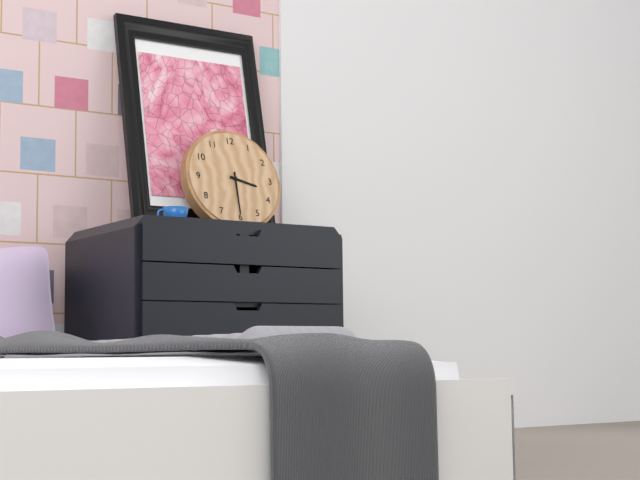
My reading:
**3:30**
